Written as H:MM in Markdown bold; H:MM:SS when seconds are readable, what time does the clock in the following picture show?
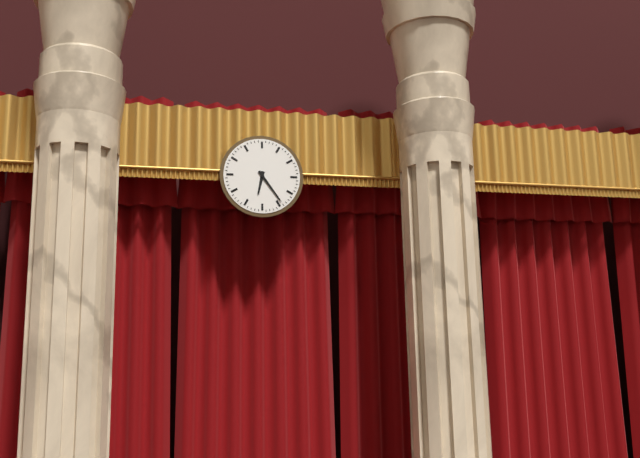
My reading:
**6:24**
